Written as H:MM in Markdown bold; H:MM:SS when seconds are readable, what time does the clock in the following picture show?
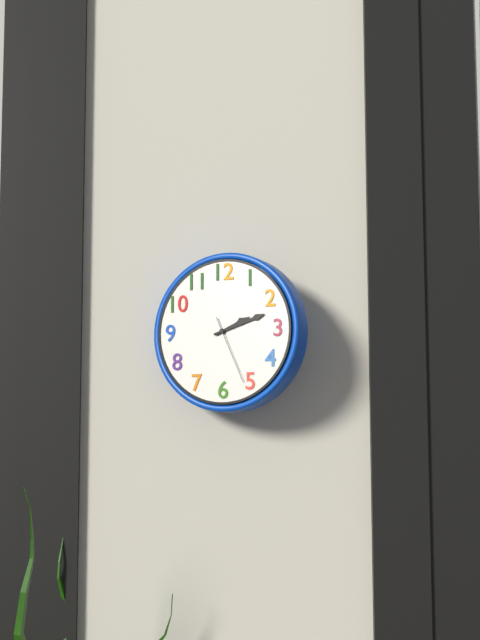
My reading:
**2:12:26**
